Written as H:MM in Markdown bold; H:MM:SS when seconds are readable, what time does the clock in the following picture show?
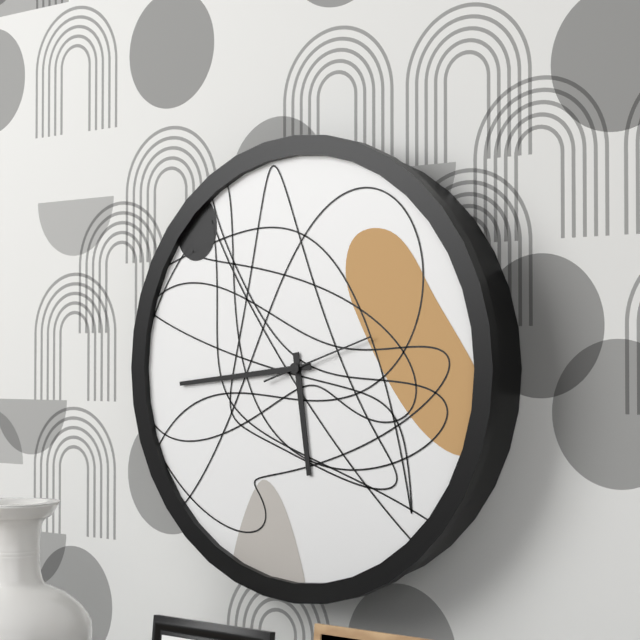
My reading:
**5:44:12**
